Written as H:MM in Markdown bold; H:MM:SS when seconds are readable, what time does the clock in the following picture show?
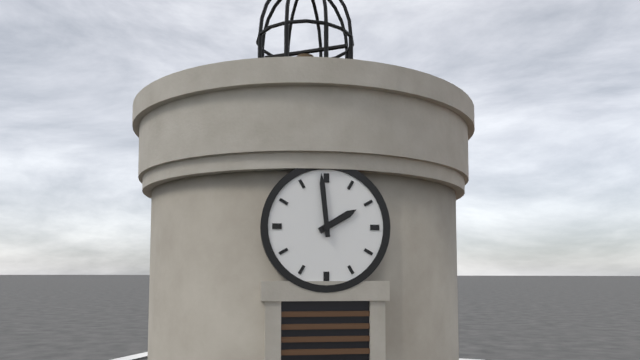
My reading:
**1:59**
